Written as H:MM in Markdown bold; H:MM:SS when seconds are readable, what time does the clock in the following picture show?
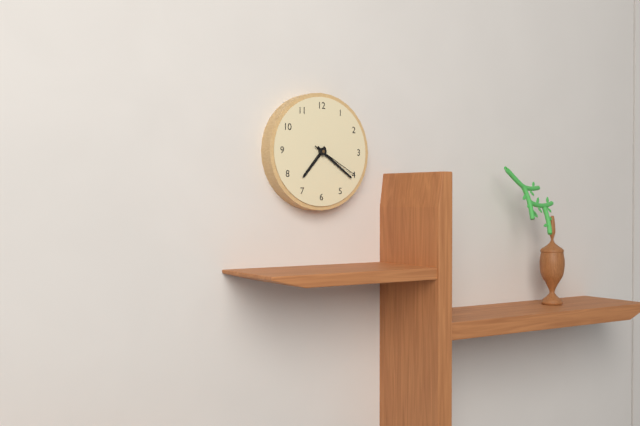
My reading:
**7:21**
